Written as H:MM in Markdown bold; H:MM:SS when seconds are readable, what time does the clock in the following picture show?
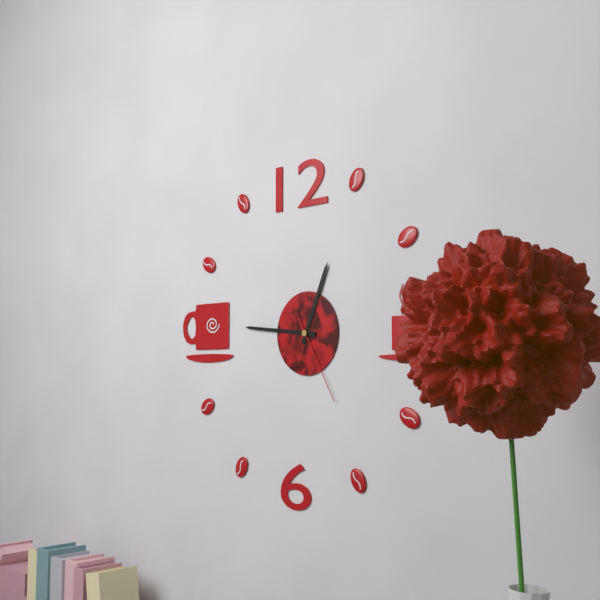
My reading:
**12:46:25**
